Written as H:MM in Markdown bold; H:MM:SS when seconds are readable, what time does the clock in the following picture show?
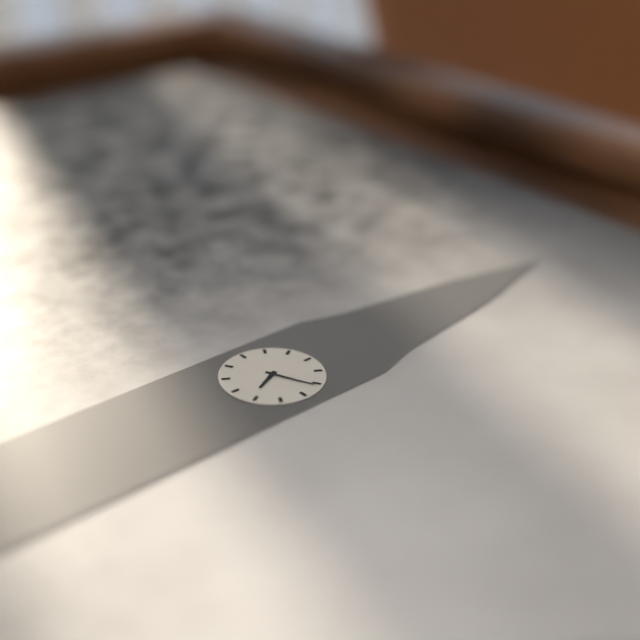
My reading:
**5:11**
